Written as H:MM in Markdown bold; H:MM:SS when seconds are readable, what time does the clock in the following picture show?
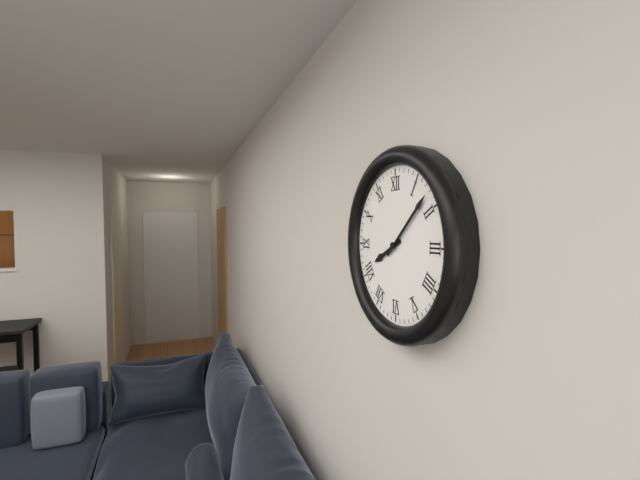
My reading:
**8:08**
